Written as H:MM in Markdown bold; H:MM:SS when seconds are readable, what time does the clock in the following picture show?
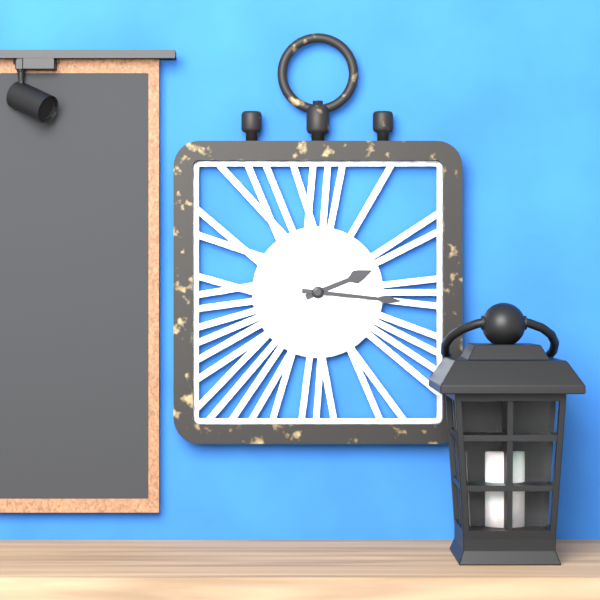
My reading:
**2:16**
